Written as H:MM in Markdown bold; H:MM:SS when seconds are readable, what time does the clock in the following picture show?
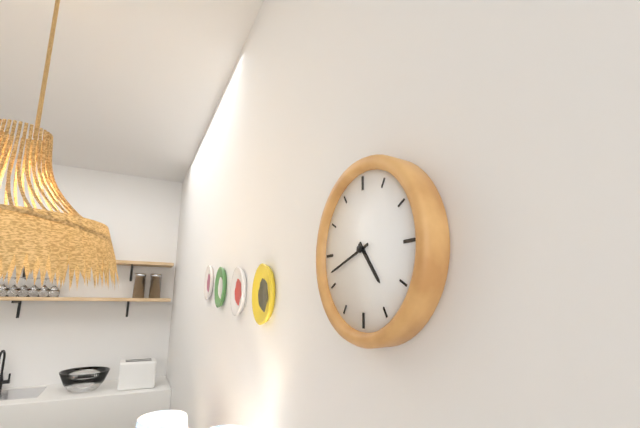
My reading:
**4:42**
